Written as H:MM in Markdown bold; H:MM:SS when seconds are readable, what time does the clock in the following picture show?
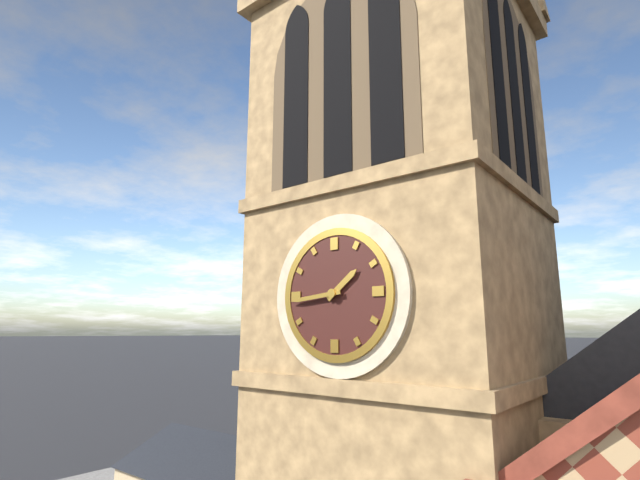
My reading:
**1:44**
